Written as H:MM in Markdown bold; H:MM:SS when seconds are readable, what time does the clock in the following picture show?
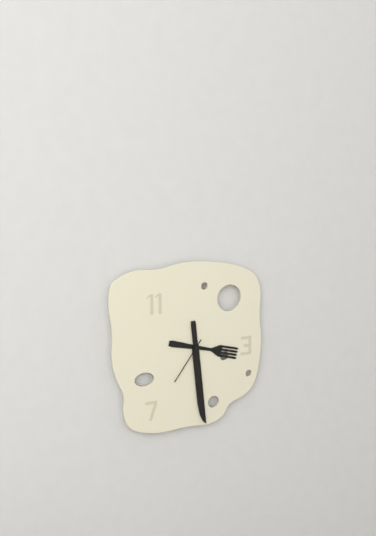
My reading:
**3:29:36**
